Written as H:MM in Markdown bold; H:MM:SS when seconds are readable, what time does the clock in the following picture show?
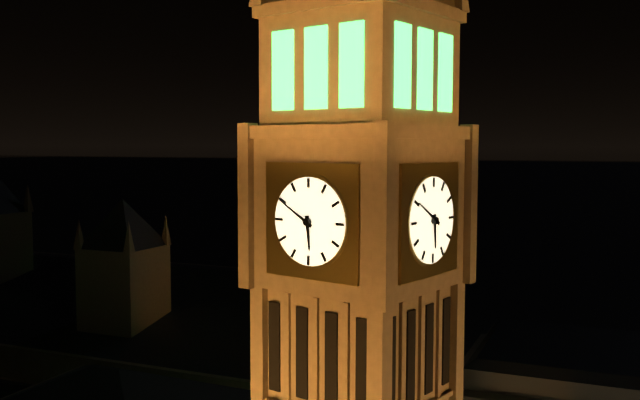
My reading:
**5:50**
